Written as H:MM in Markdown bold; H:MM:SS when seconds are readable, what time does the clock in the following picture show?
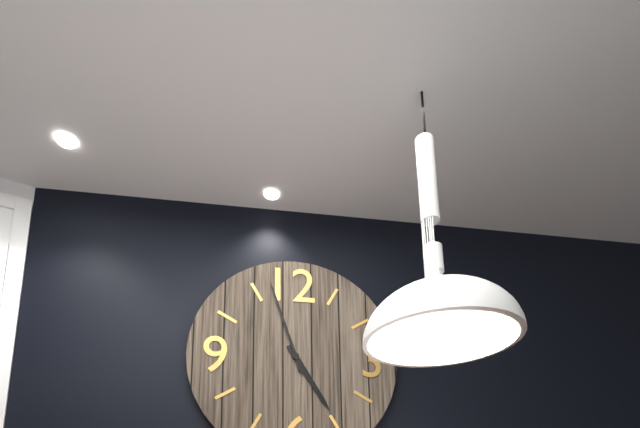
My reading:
**4:57**
